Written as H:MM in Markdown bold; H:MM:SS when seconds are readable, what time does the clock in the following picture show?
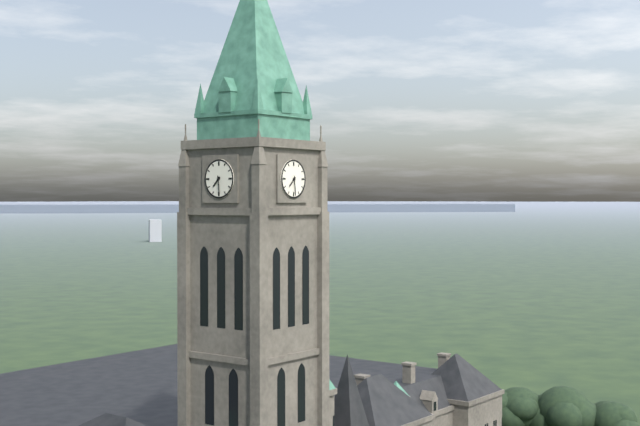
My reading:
**7:29**
